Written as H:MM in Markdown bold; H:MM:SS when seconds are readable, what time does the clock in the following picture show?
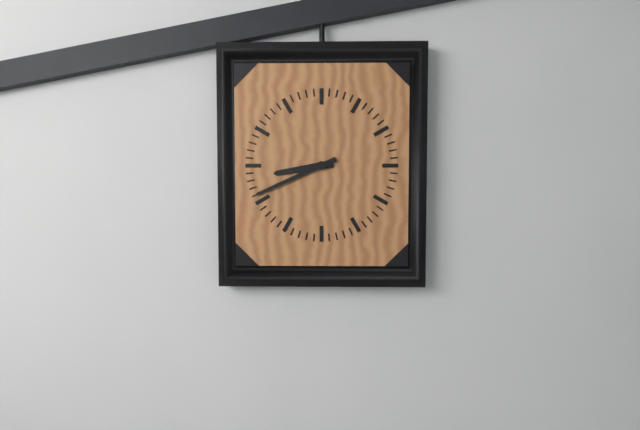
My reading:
**8:41**
